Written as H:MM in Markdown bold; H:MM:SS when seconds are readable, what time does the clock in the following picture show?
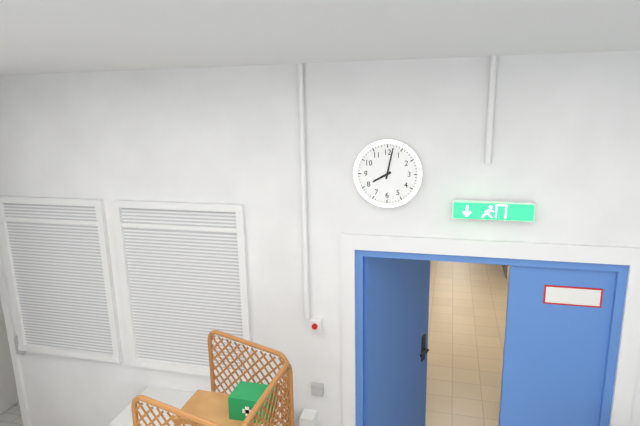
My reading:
**8:02**
